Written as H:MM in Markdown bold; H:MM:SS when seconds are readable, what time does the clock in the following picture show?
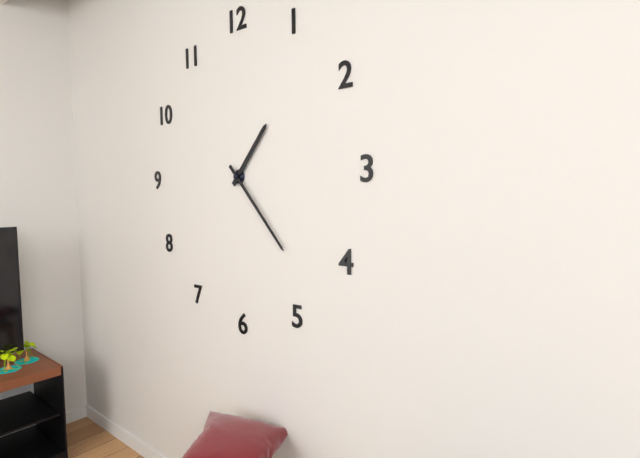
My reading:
**1:23**
